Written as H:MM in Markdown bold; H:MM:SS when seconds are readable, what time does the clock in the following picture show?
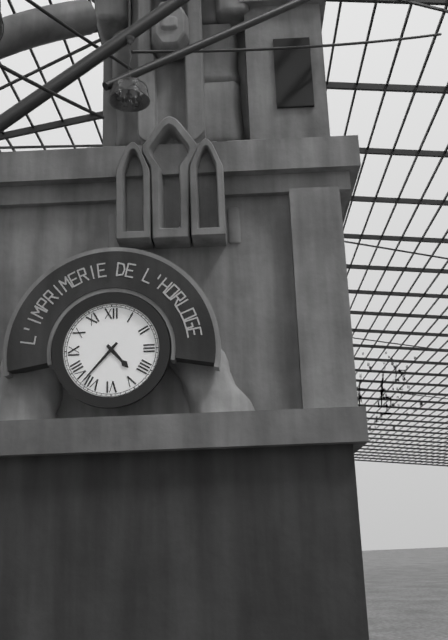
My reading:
**4:37**
